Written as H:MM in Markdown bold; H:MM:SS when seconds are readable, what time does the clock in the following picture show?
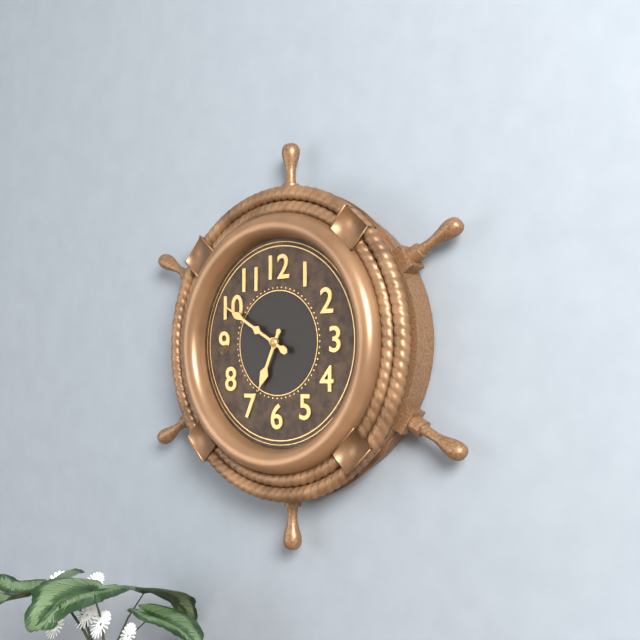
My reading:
**6:50**
